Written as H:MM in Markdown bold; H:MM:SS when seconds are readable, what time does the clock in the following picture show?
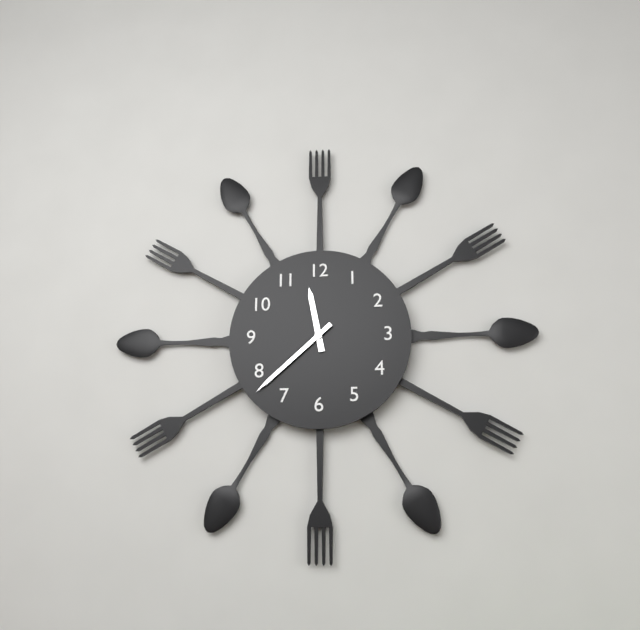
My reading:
**11:38**
